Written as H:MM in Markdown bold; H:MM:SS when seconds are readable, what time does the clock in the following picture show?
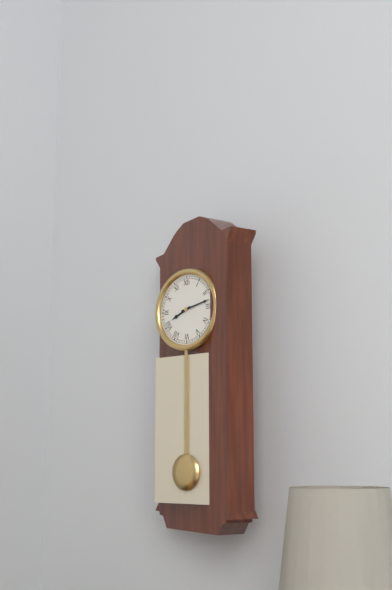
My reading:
**8:13**
